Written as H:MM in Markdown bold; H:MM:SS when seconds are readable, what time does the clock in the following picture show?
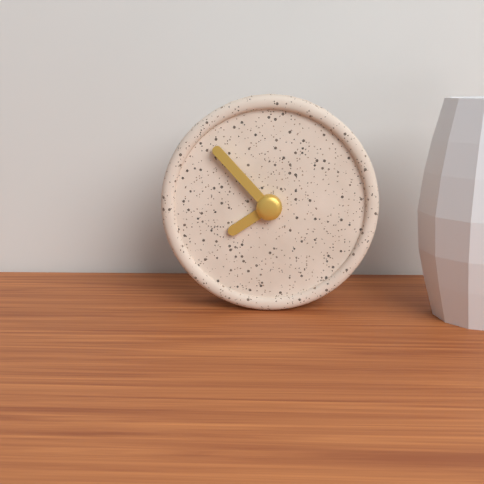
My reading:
**7:53**
